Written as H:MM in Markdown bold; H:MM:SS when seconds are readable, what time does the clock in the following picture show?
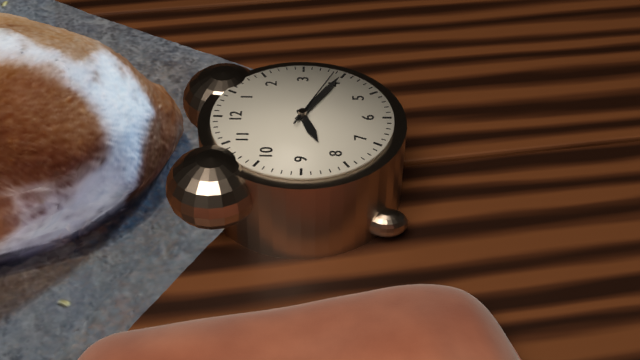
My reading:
**8:20:19**
